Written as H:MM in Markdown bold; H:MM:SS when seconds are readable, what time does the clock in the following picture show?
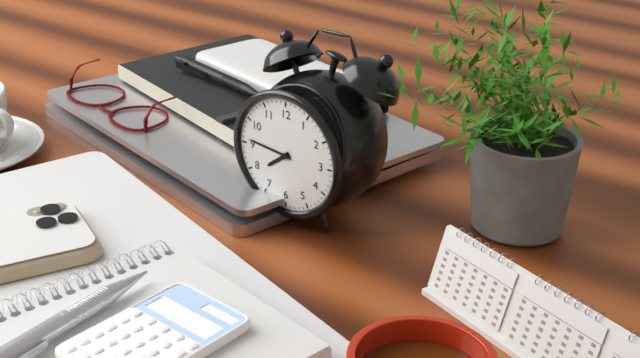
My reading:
**7:46**
